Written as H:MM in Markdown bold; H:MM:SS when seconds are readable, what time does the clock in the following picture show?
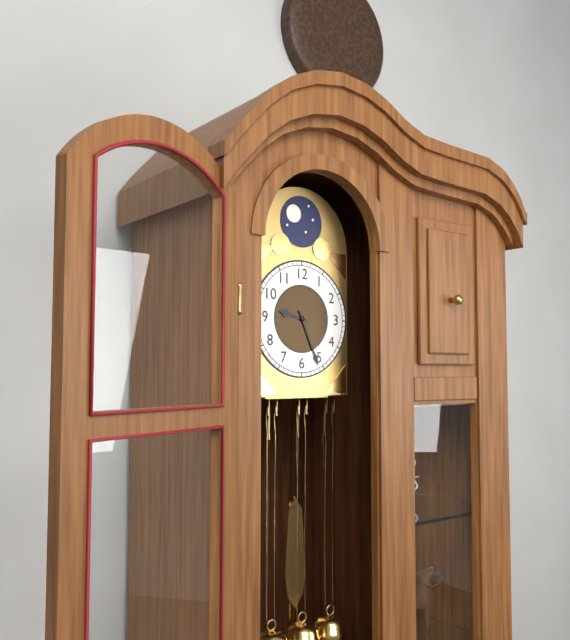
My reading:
**9:26**
